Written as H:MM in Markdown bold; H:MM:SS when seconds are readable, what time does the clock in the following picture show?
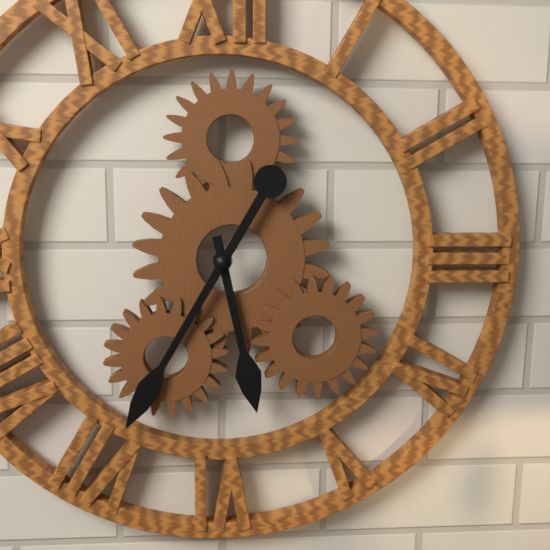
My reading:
**5:35**
